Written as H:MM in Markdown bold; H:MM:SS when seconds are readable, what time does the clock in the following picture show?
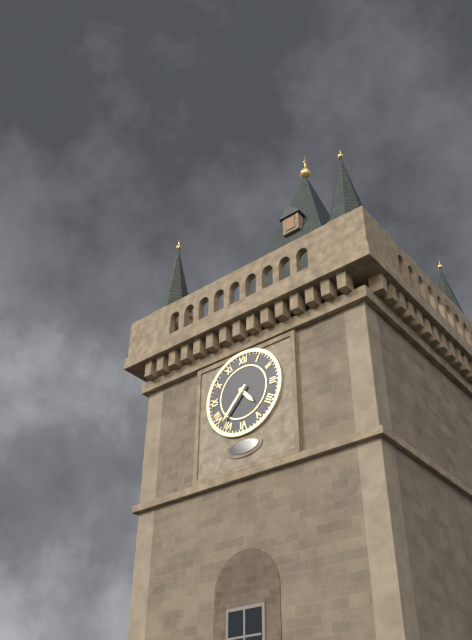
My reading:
**4:37**
